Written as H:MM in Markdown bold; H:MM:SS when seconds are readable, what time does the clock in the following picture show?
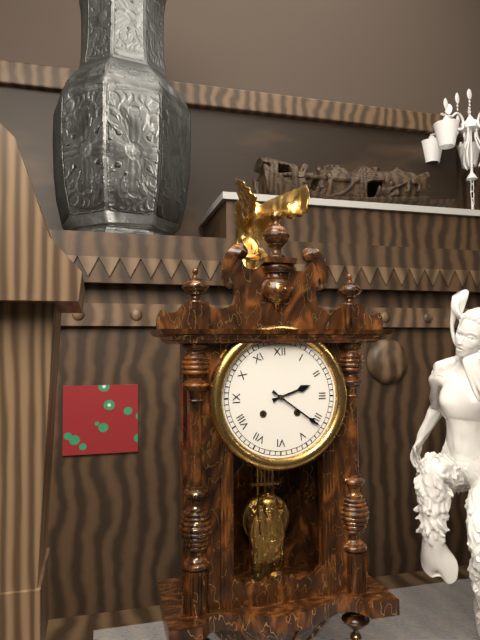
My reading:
**2:21**
